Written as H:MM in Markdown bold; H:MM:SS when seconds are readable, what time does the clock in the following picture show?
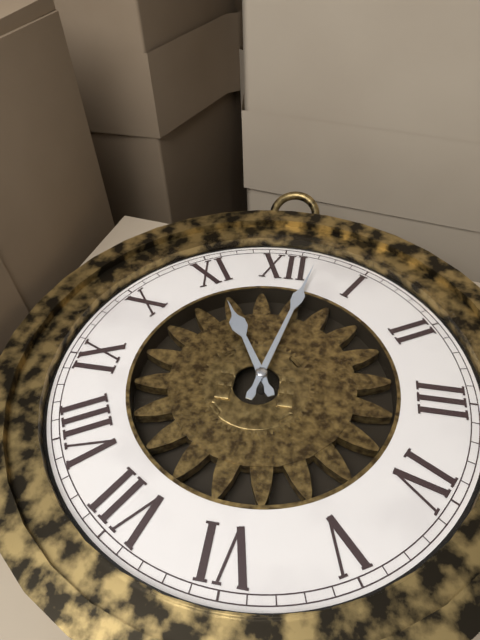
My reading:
**11:02**
